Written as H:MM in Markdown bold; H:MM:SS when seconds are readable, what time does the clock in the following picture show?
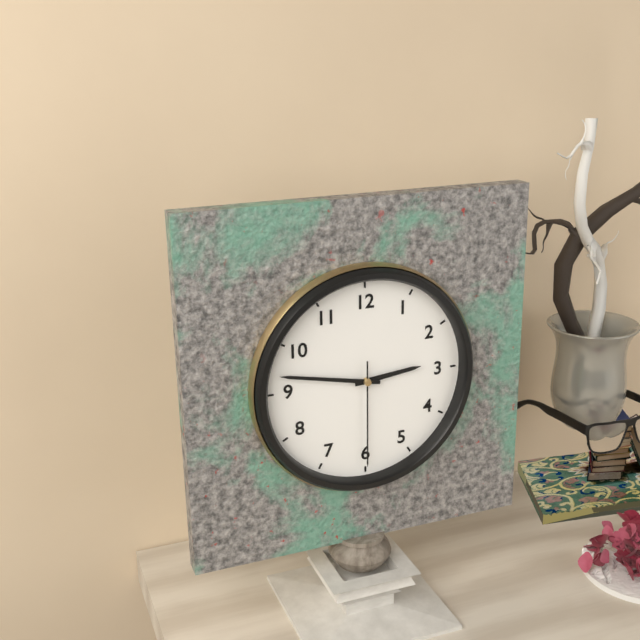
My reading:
**2:47:30**
